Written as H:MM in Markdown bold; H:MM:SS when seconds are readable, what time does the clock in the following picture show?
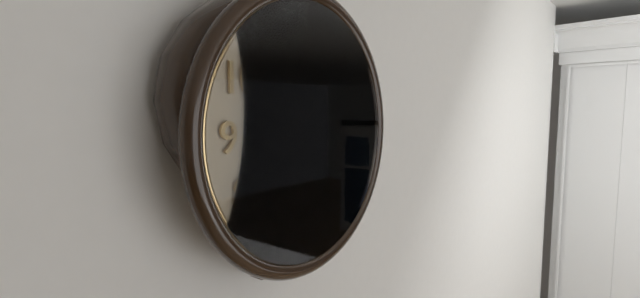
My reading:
**4:34:23**
